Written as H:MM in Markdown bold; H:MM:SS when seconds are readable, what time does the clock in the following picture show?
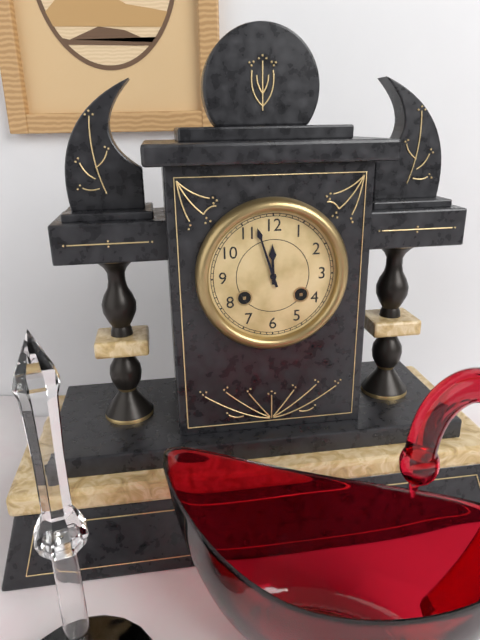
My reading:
**11:57**
